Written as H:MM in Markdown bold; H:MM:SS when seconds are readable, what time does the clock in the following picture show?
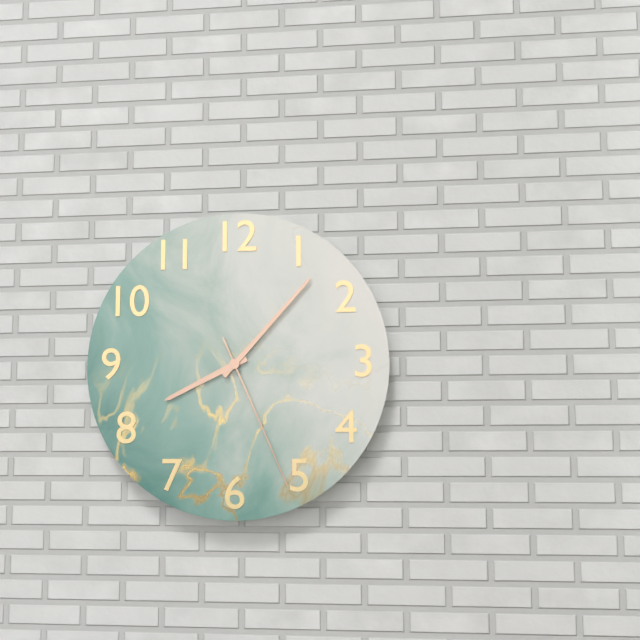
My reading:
**8:07:26**
